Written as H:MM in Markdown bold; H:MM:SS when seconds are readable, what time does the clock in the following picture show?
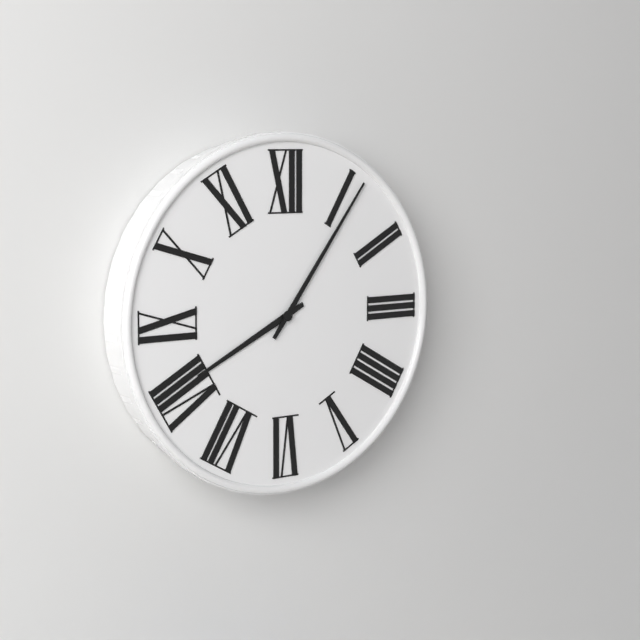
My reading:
**8:06**
